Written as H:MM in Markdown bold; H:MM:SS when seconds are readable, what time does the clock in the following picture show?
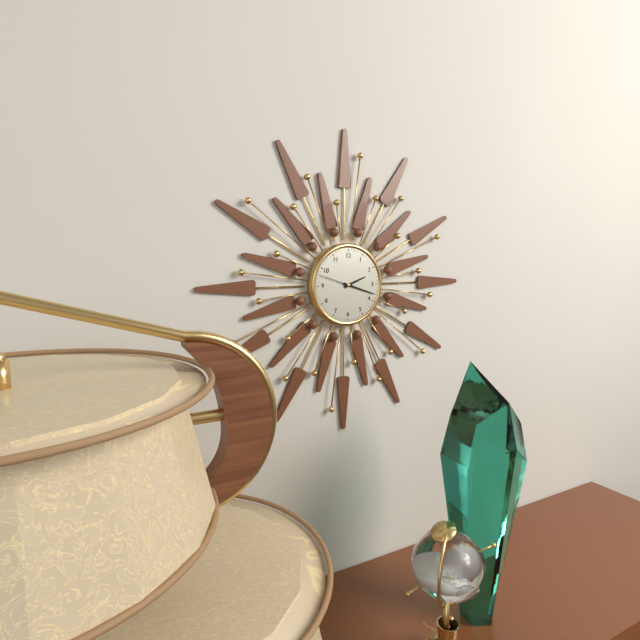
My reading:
**2:18**
